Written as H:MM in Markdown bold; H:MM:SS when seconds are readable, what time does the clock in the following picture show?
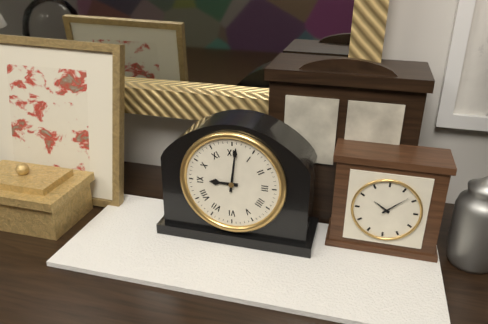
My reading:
**9:01**
